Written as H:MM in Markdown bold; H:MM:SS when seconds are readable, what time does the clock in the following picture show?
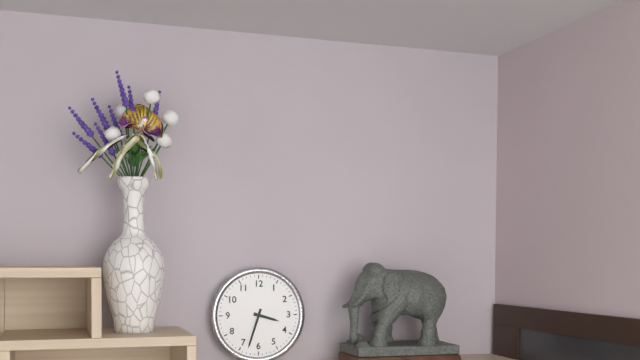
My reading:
**3:33**
